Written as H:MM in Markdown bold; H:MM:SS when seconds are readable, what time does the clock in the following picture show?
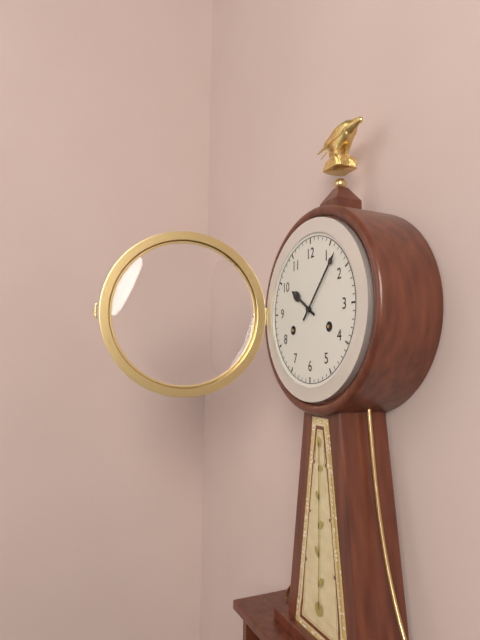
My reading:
**10:07**
